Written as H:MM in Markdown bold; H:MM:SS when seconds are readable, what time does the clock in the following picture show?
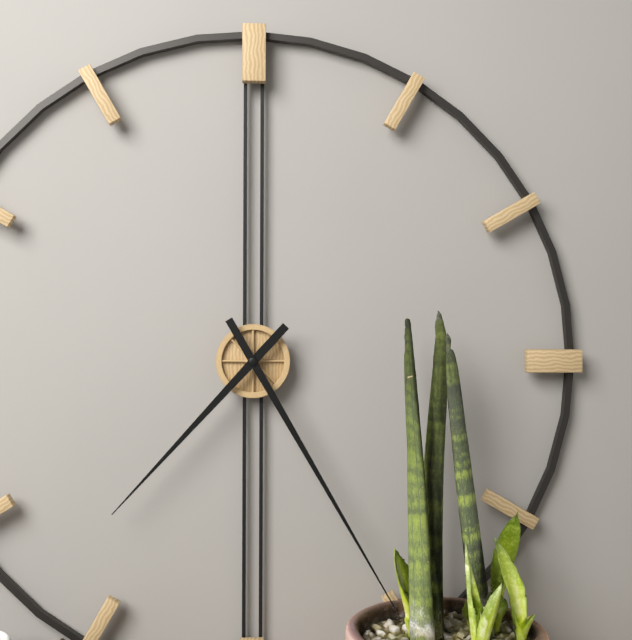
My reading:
**7:25**
